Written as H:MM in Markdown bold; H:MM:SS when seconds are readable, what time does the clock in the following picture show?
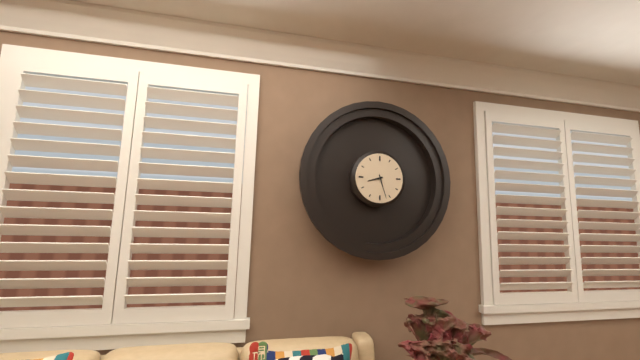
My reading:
**8:27**
